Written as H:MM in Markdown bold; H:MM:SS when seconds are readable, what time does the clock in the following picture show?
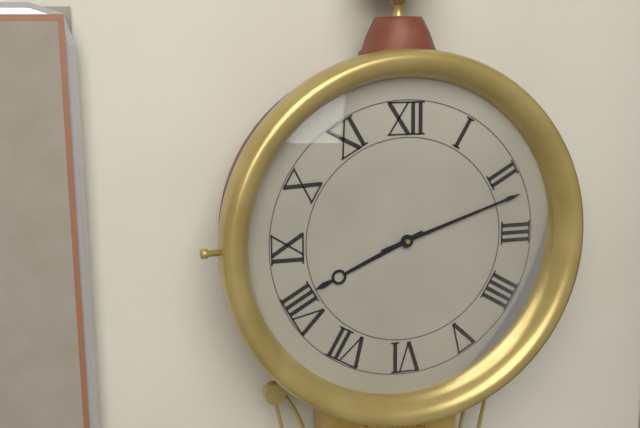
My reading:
**8:12**
